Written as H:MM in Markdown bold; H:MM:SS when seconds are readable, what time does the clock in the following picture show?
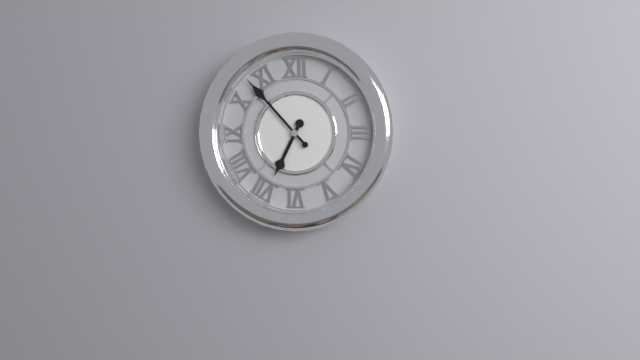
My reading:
**6:53**
